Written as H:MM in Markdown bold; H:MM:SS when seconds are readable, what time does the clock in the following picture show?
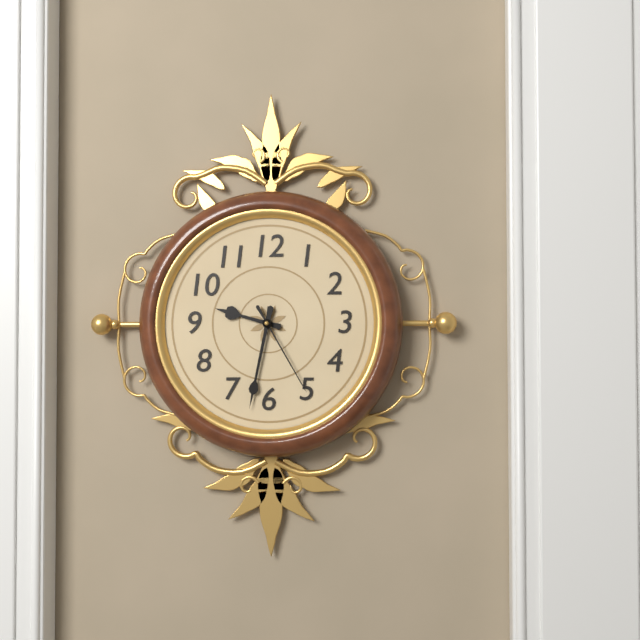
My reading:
**9:32:25**
